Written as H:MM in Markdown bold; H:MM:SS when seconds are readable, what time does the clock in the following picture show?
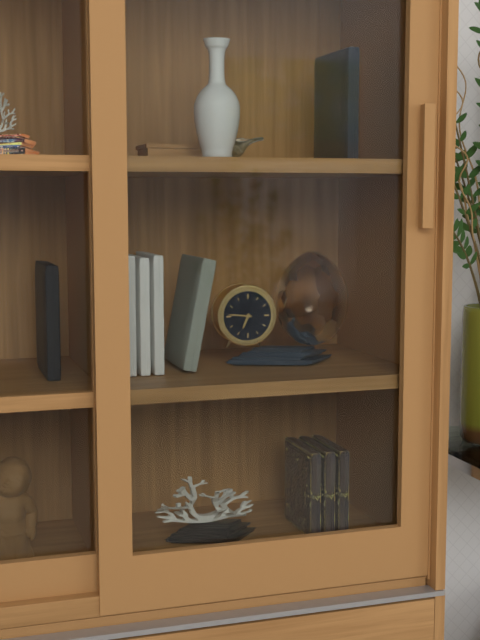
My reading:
**6:46**
